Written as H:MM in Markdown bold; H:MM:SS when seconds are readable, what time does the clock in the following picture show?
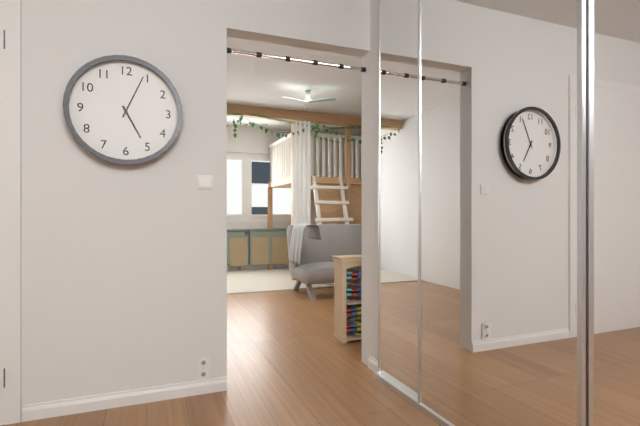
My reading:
**5:04**
